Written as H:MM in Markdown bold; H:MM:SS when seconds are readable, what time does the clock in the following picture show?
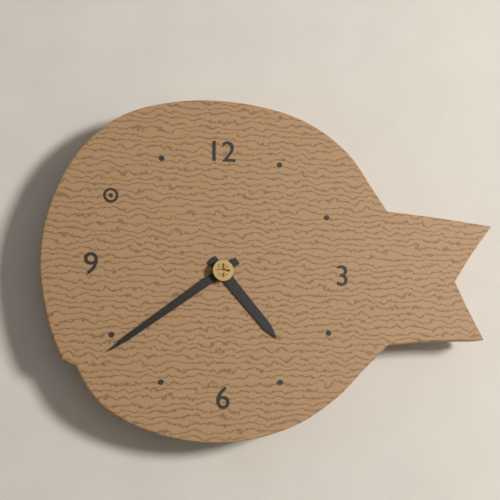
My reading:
**4:39**
